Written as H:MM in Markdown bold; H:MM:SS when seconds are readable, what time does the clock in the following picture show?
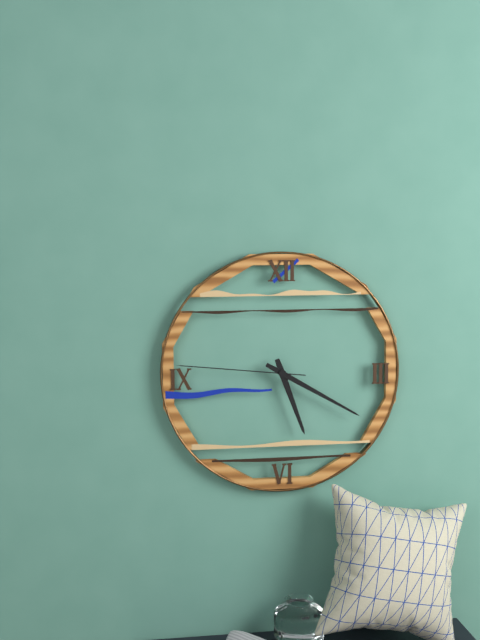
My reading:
**5:20:46**
